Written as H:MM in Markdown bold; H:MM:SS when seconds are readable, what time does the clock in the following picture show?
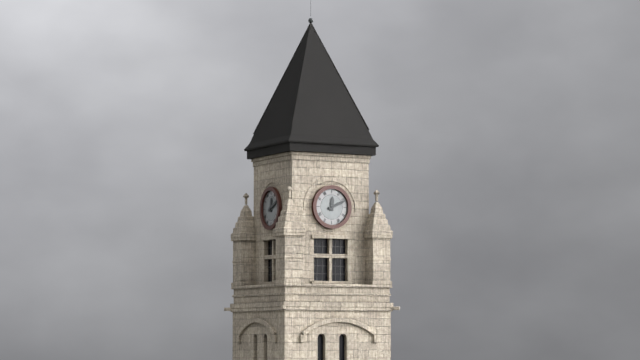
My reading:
**12:11**
